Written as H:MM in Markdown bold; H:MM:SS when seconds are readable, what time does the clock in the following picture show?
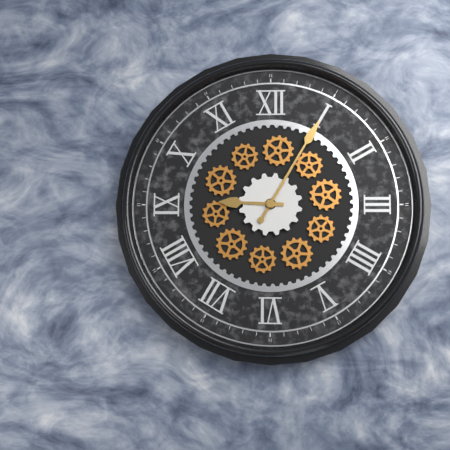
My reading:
**9:05**
